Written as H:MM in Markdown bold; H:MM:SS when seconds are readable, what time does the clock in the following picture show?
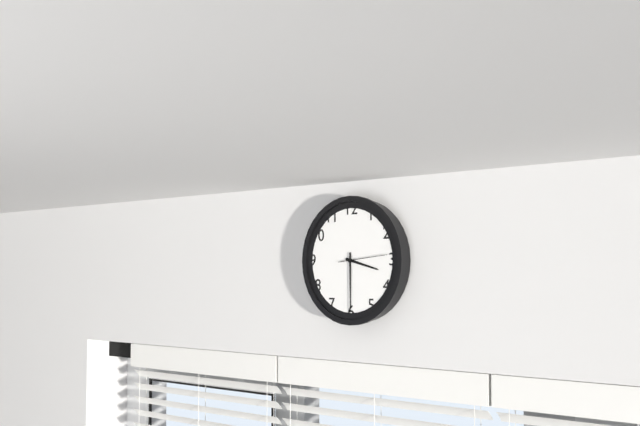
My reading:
**3:30:14**
